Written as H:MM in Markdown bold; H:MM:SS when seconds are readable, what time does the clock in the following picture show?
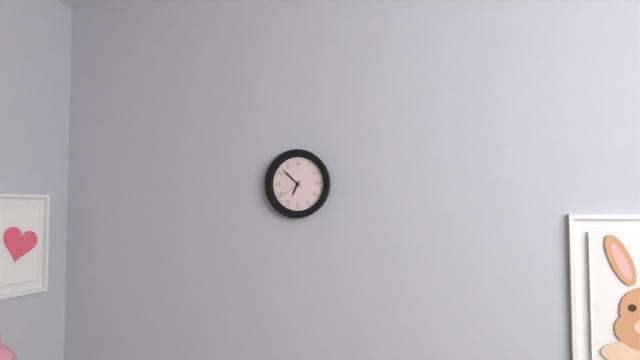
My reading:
**6:52**
